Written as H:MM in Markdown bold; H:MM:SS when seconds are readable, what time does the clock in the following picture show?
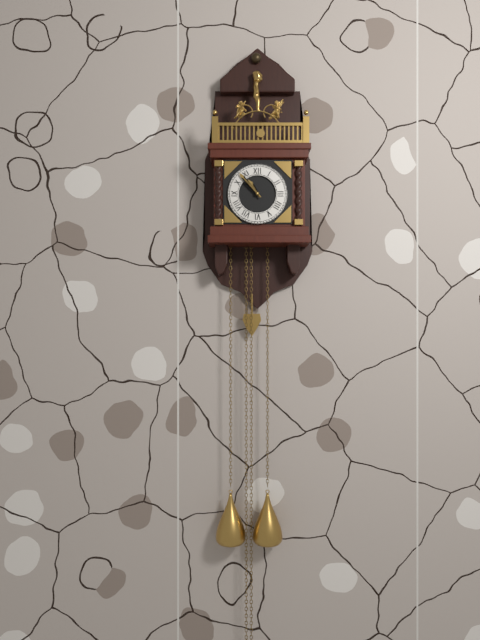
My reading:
**10:53**
